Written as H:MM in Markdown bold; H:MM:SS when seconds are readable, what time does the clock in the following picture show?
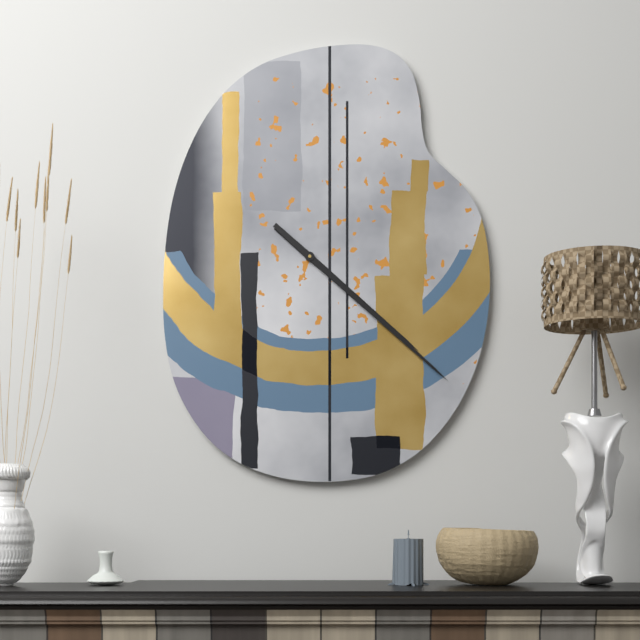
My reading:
**4:22**
